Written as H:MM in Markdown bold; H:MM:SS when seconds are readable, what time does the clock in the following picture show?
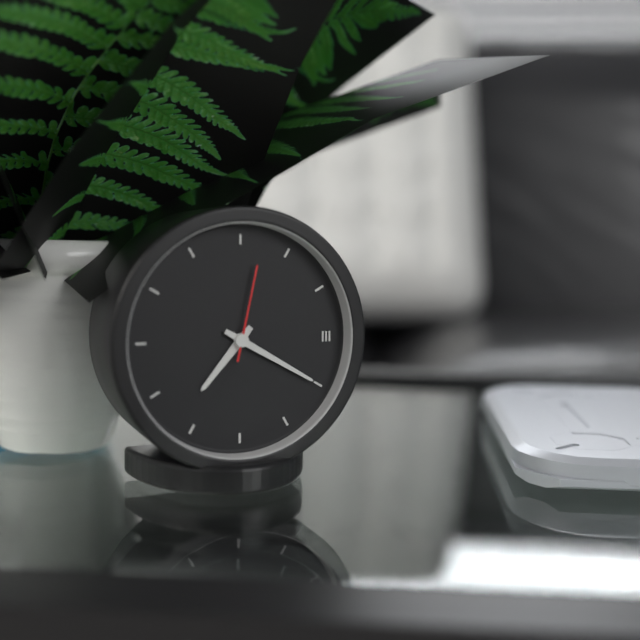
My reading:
**7:20:02**
